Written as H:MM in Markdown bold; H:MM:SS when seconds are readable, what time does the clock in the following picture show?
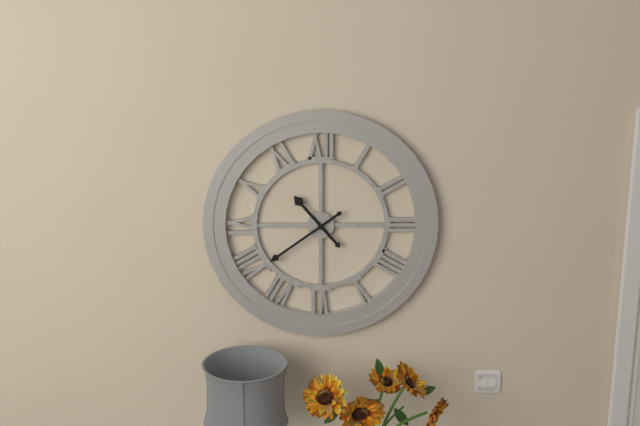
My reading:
**10:39**
